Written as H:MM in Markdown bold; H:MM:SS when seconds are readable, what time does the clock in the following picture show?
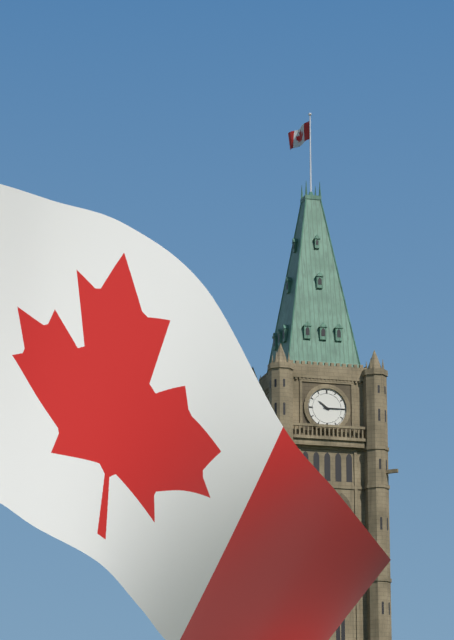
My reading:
**10:15**
